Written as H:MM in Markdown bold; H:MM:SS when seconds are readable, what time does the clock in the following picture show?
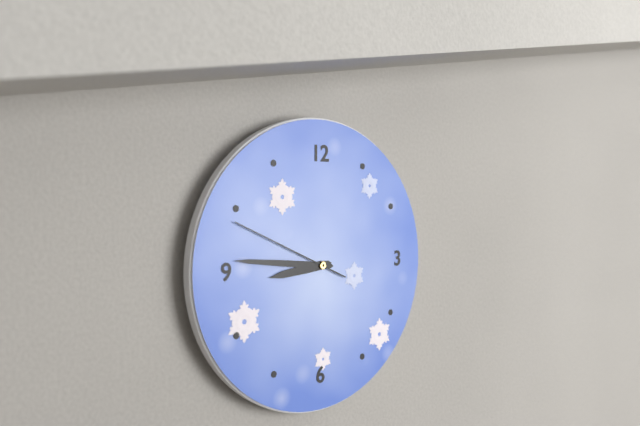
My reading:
**8:46:49**
